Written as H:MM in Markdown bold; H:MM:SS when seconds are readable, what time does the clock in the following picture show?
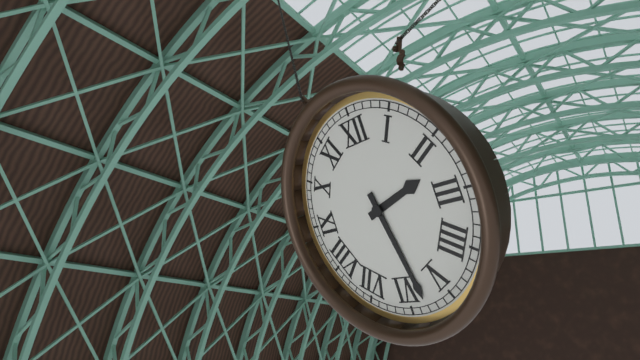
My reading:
**2:28**
